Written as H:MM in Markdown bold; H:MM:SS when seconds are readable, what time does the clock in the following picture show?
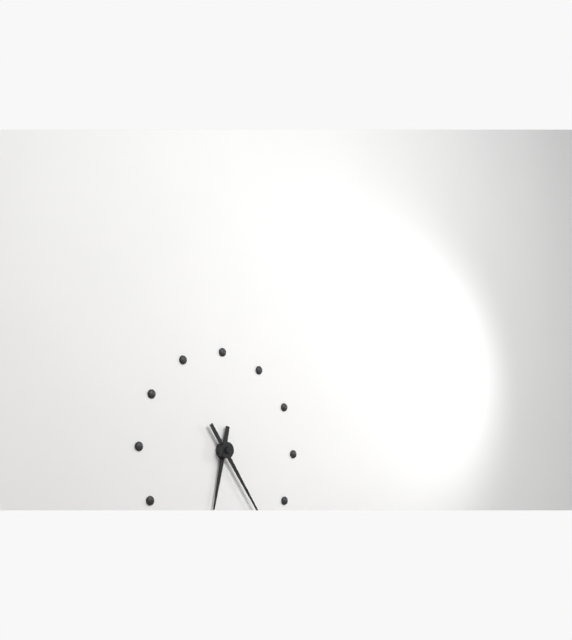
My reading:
**6:24**
